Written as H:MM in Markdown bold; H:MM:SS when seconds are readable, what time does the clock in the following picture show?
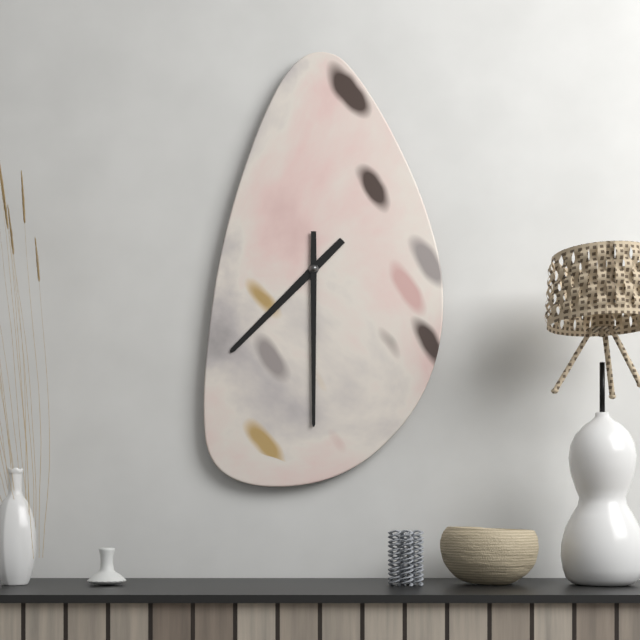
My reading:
**7:30**
